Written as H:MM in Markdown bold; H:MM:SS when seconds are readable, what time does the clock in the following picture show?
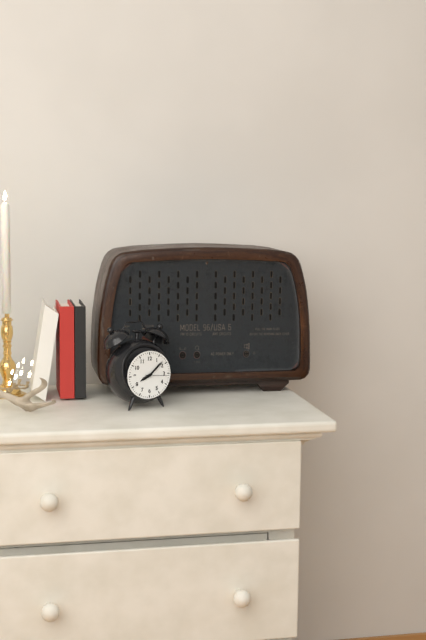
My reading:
**8:08**
